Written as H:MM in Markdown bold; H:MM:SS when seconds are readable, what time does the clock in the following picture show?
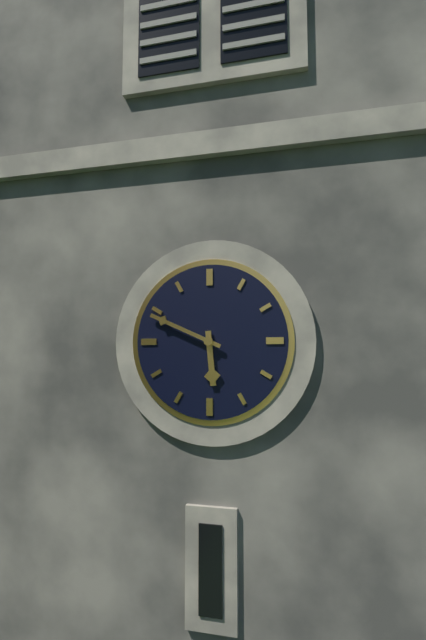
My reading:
**5:49**
